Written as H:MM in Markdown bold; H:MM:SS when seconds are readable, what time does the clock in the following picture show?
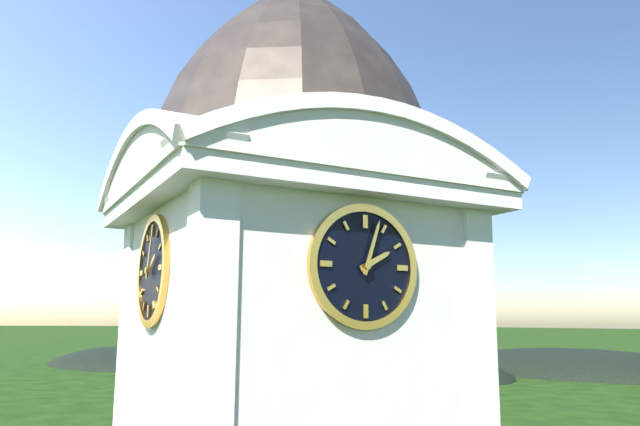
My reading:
**2:03**
